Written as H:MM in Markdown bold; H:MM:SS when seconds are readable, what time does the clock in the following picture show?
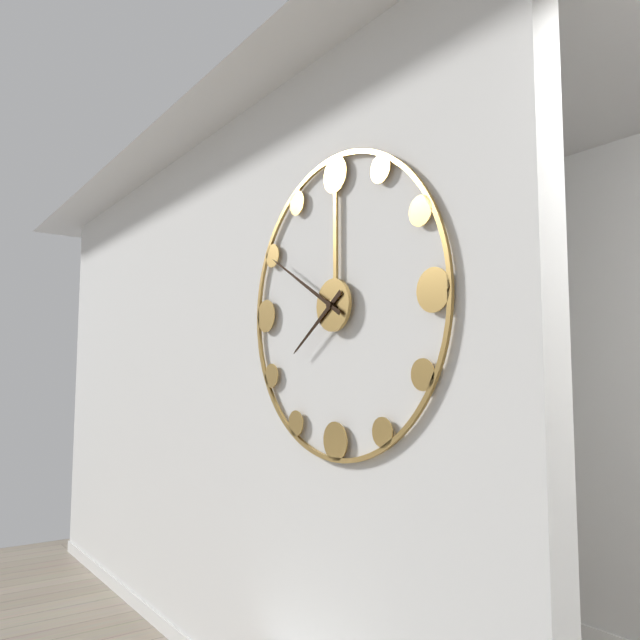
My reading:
**7:50**
